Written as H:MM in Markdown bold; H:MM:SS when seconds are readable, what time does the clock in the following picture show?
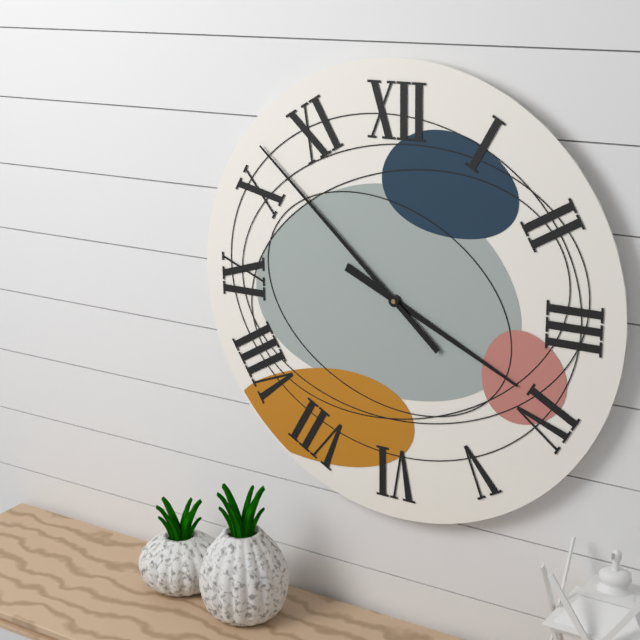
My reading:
**3:52**
